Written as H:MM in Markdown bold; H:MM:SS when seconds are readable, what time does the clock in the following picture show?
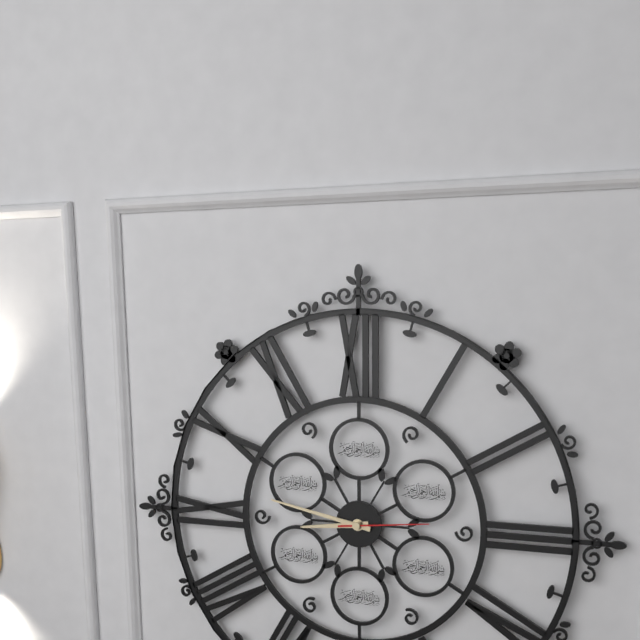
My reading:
**8:47:14**
